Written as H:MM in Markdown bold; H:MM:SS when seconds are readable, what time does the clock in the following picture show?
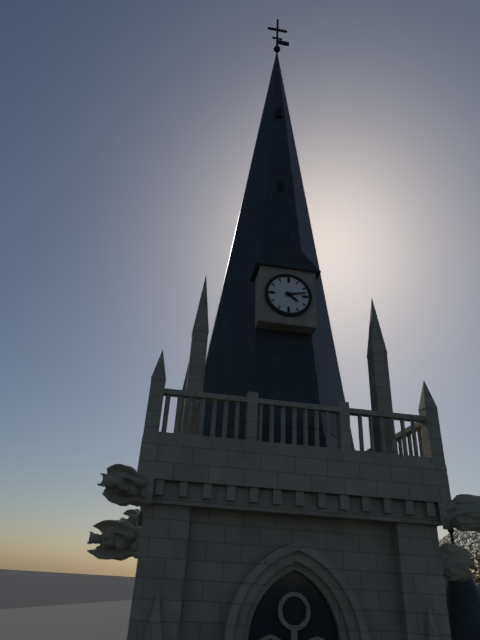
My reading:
**4:13**
